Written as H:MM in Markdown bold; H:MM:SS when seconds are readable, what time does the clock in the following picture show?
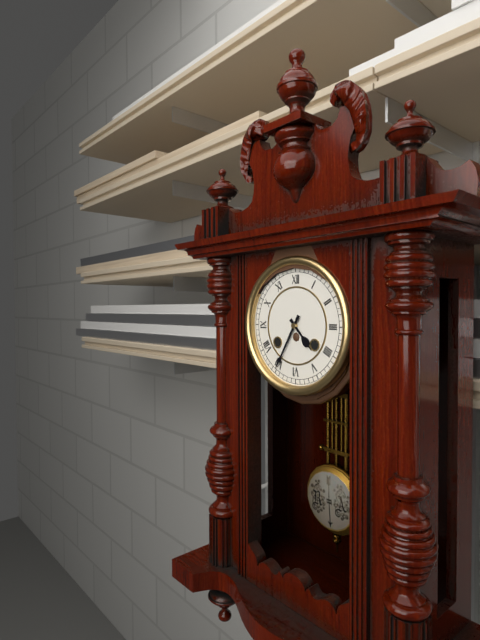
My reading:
**4:35**
